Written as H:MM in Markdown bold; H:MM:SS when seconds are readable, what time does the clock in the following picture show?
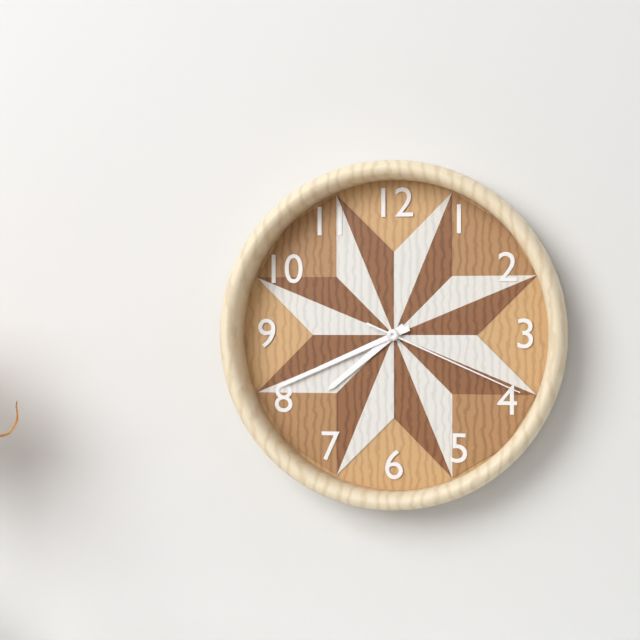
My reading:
**7:41:19**
